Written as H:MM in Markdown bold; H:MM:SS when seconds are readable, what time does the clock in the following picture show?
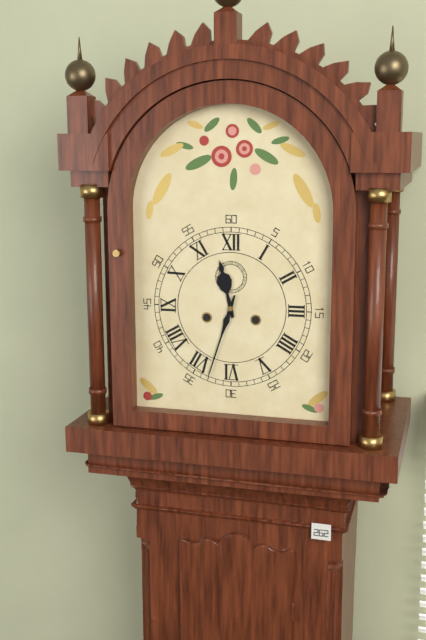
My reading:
**11:33**
